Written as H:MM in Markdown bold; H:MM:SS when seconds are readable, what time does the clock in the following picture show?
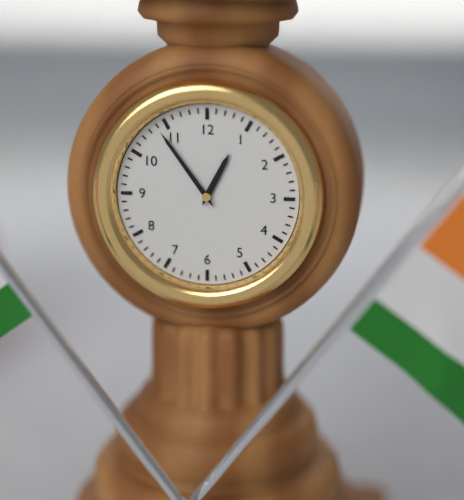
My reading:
**12:54**
